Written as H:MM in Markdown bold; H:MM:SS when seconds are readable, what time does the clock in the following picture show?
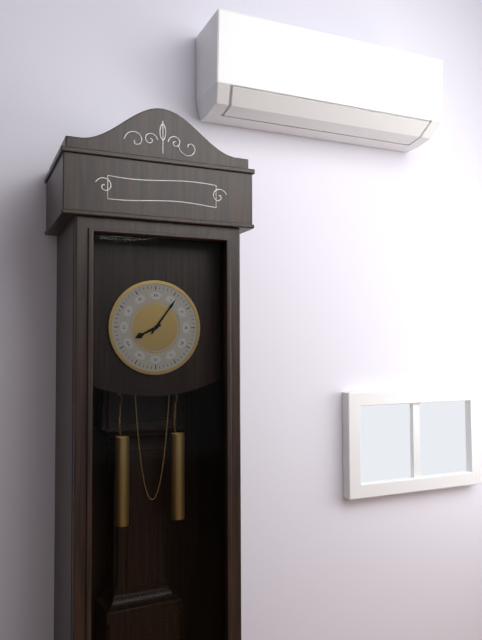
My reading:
**8:06**
